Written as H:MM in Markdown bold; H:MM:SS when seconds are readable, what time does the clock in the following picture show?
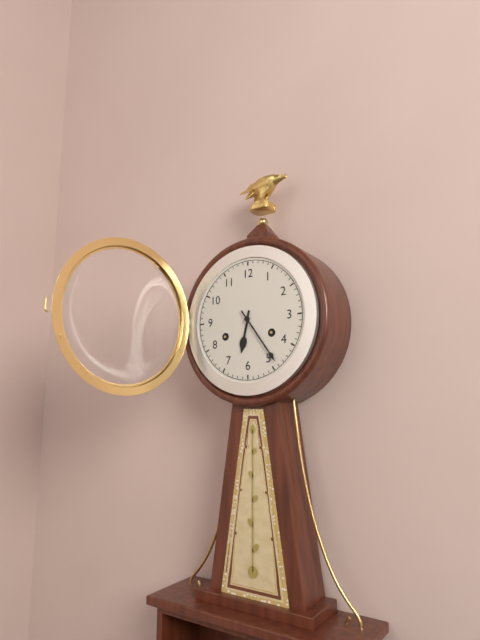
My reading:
**6:24**
